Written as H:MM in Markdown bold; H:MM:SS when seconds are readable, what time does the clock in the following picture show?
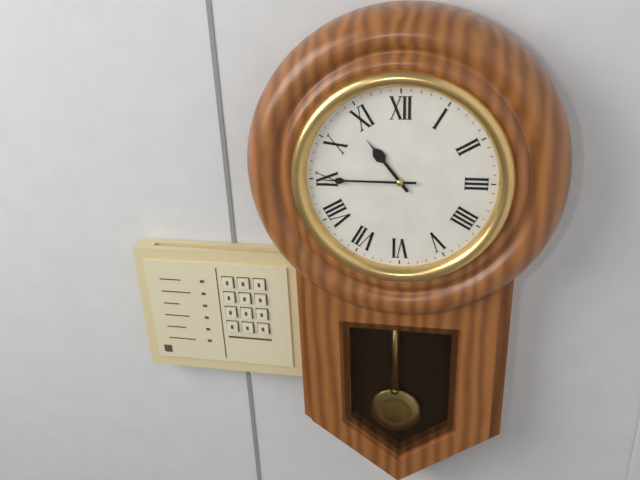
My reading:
**10:45**
